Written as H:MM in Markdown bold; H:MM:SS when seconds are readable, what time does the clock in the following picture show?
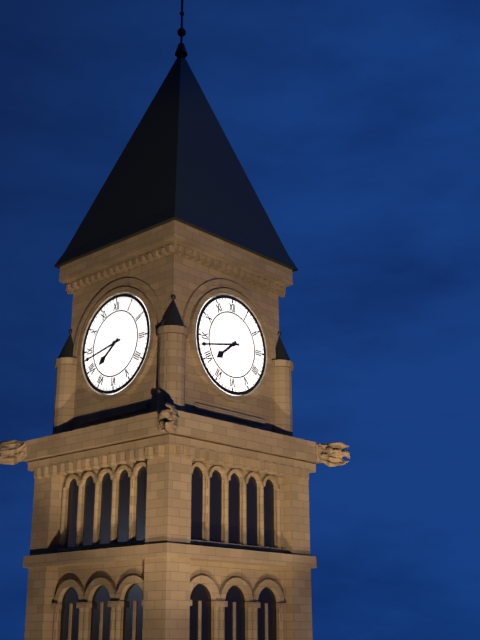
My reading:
**7:43**
